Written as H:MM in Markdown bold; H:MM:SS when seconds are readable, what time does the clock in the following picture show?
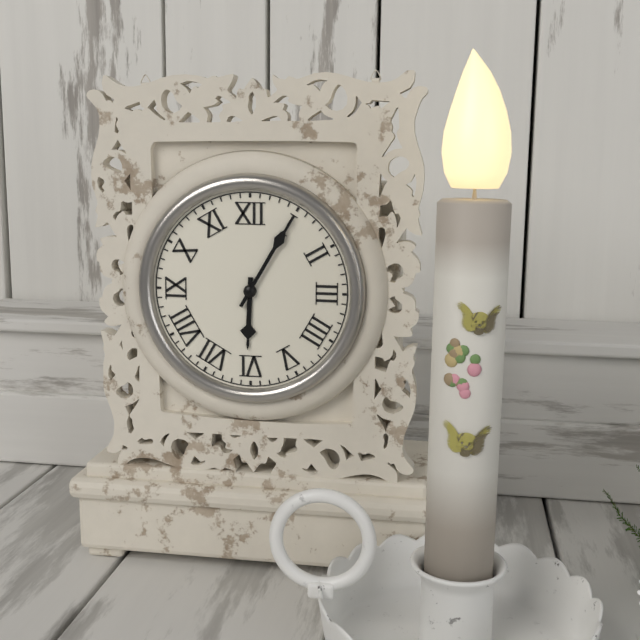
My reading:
**6:05**
